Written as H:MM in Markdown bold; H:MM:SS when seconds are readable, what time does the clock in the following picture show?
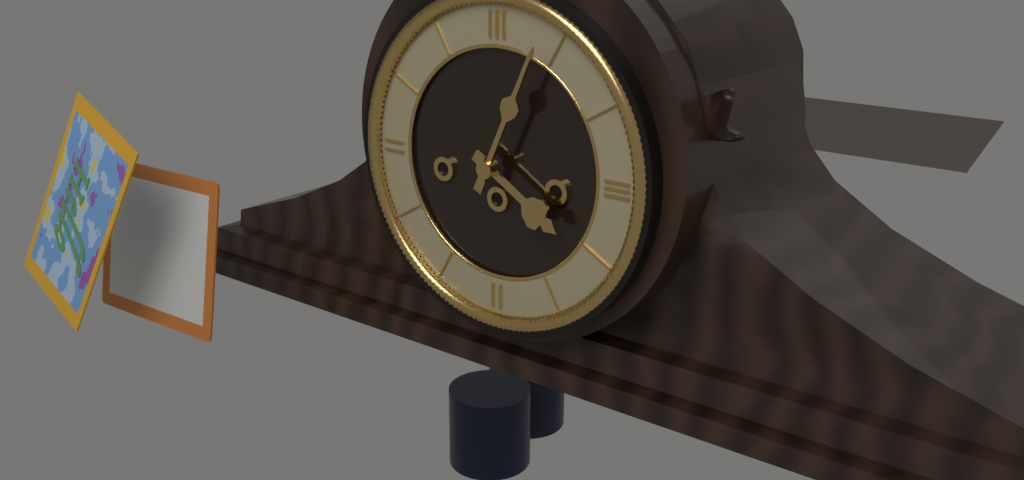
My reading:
**4:04**
